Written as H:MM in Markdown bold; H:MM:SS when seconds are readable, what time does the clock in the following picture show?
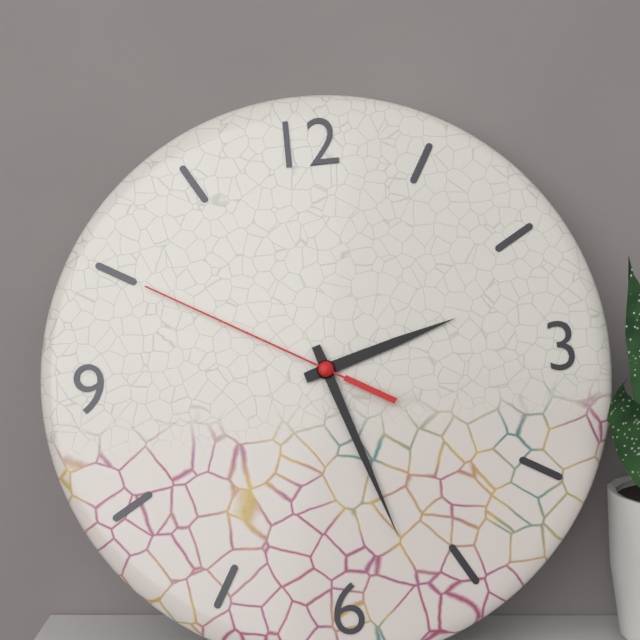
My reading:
**2:27:50**
